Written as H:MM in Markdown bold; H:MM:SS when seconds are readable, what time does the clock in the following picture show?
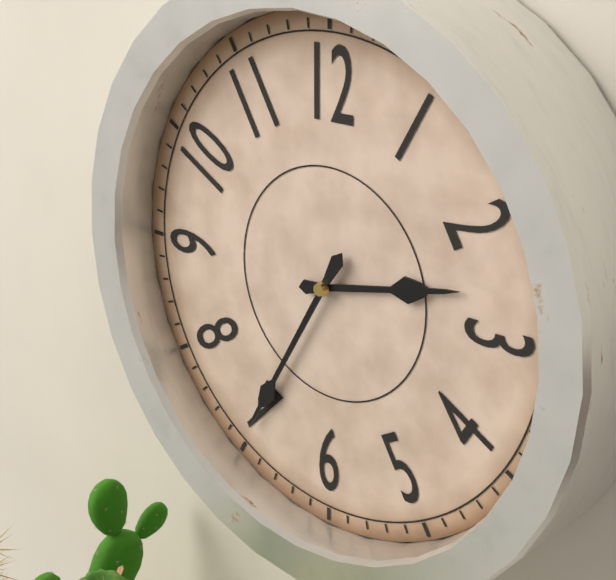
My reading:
**2:35**
